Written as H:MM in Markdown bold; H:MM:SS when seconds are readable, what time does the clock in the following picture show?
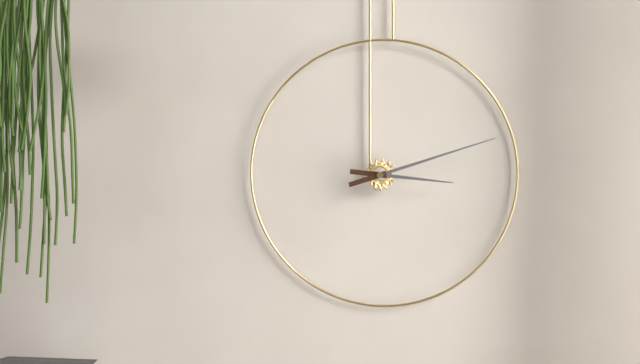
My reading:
**3:12**
